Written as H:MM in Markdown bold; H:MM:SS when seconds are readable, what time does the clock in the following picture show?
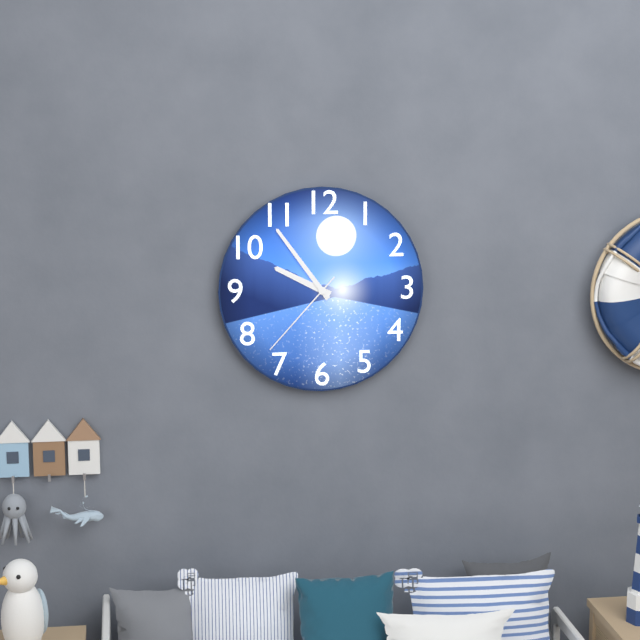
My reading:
**9:54:37**
